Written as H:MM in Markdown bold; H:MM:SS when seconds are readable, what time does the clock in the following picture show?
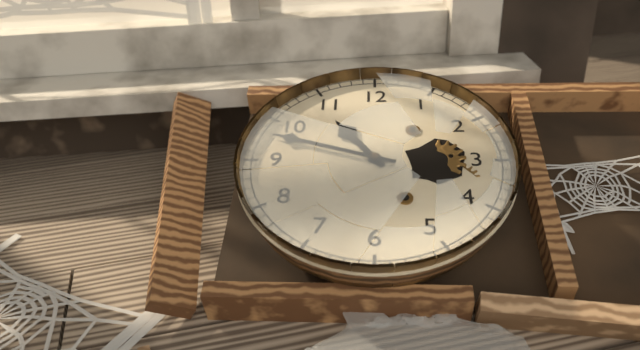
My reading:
**10:48**
